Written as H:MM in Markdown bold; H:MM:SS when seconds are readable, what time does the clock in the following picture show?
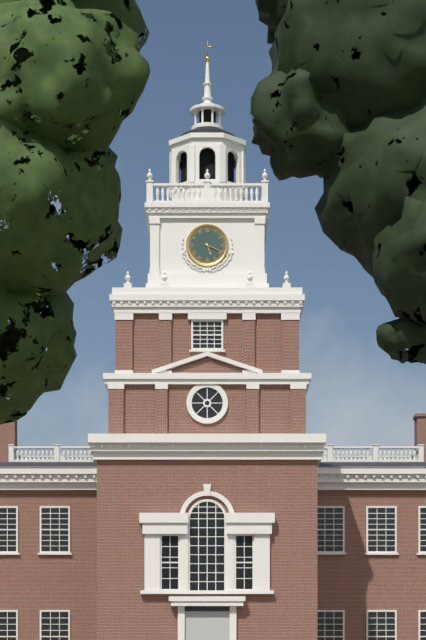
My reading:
**5:19**
